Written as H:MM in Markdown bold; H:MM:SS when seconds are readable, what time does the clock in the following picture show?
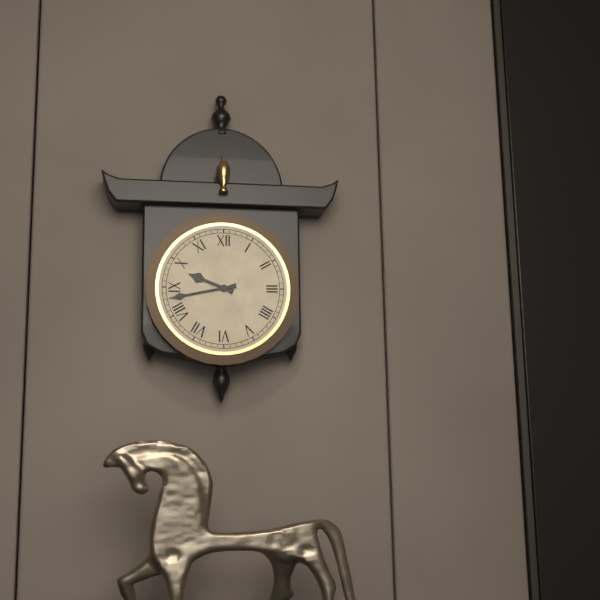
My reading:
**9:43**
